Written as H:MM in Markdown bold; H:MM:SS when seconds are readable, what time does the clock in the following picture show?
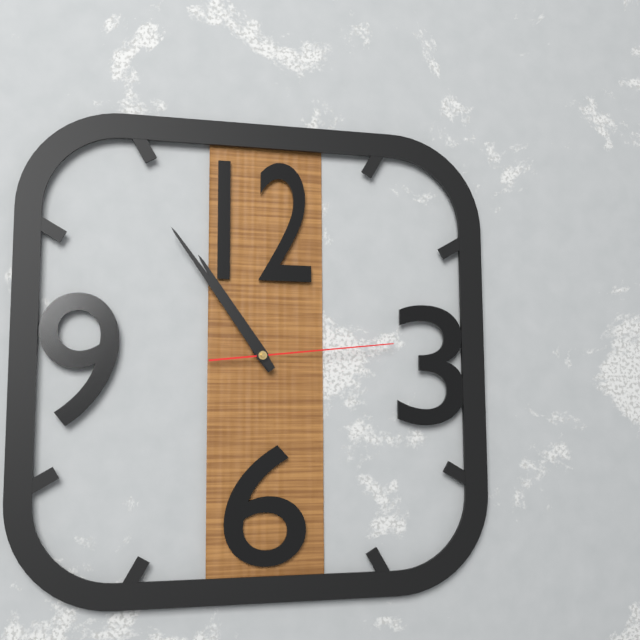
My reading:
**10:54:14**
